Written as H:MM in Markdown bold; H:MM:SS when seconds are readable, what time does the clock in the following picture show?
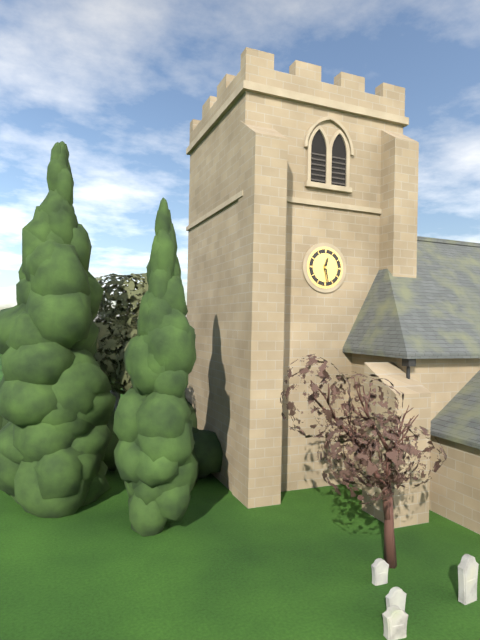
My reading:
**12:28**
